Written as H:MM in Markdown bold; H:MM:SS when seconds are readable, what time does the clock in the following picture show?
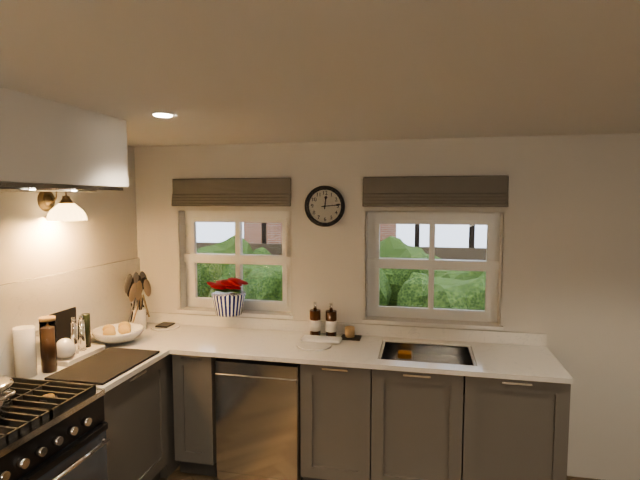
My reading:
**12:14**
